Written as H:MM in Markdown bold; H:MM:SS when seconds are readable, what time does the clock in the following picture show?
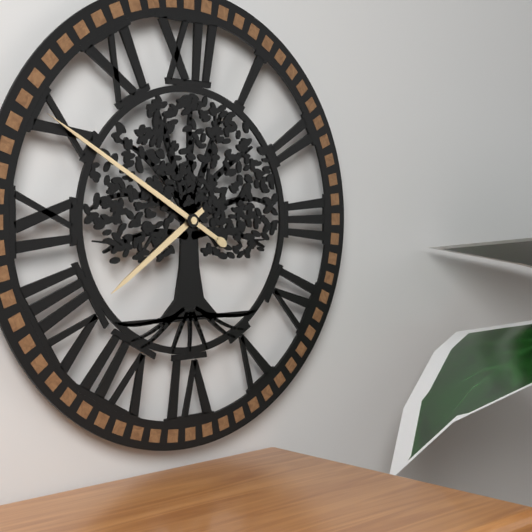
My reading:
**7:50**
